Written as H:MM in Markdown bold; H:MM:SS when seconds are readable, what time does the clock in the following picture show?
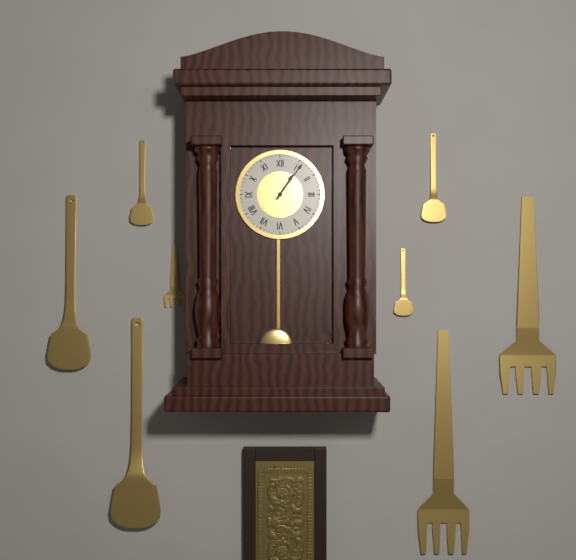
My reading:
**1:06**
